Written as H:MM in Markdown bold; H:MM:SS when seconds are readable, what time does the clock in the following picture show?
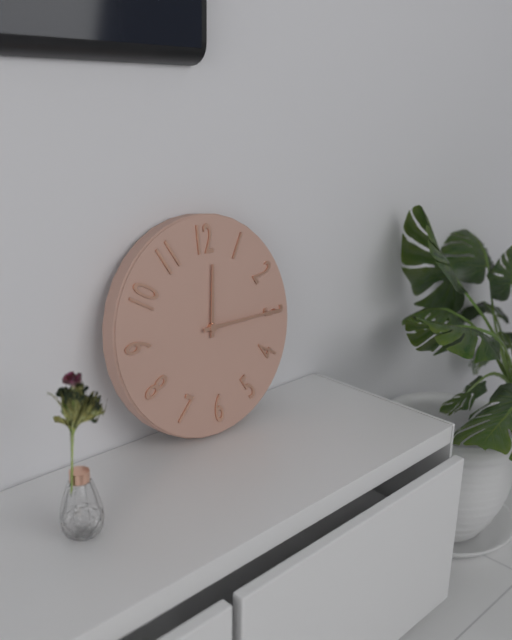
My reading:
**12:15**
